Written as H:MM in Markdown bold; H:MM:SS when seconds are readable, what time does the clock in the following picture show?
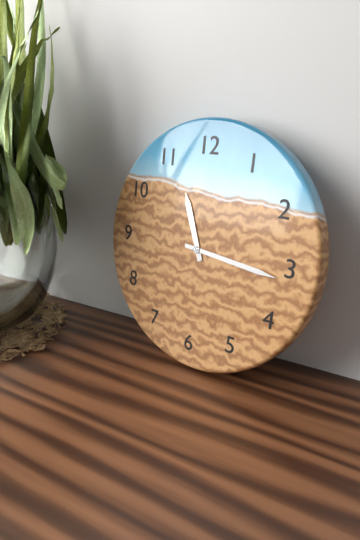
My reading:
**11:16**
